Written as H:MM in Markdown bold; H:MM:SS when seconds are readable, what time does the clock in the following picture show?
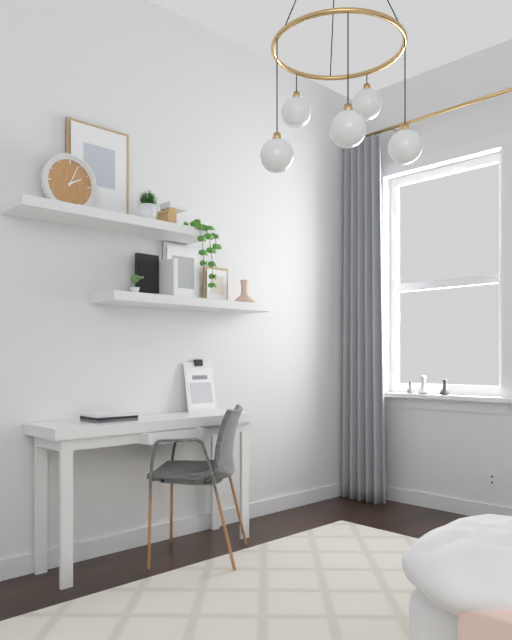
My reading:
**2:04**
